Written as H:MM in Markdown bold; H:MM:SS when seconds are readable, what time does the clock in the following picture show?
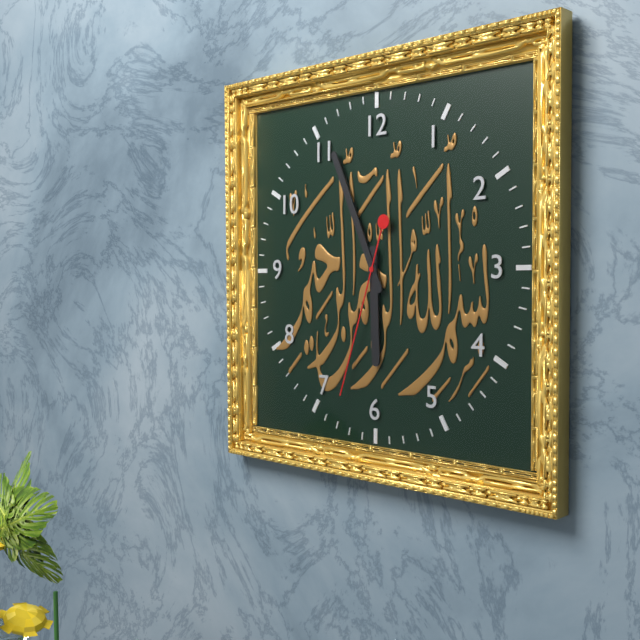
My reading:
**5:56:33**
